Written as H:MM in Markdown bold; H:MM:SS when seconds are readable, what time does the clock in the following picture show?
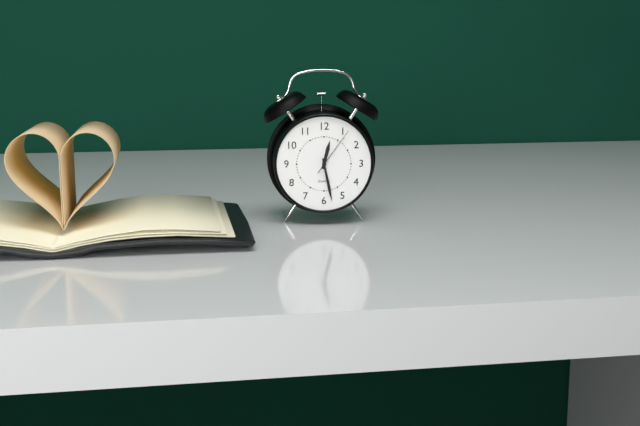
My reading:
**12:28:06**
